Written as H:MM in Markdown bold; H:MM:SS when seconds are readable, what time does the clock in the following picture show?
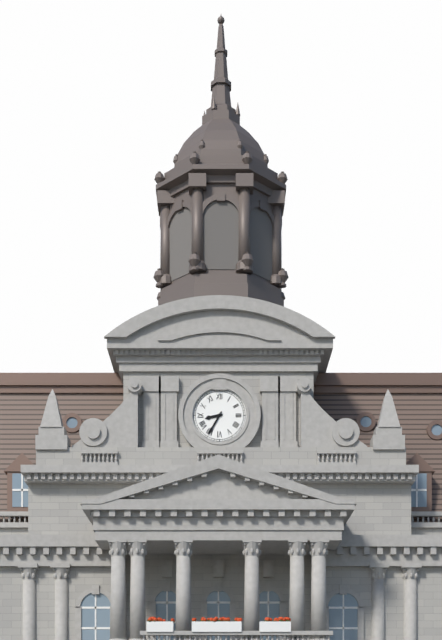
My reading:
**8:35**
